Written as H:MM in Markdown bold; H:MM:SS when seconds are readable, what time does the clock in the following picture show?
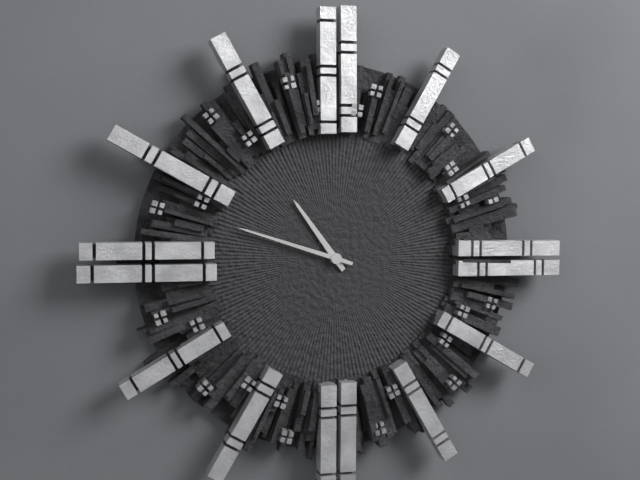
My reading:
**10:48**
